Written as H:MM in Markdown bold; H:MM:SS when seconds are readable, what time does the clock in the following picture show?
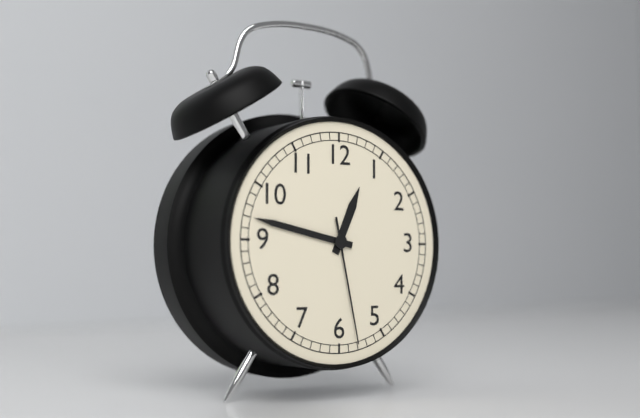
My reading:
**12:47:28**
